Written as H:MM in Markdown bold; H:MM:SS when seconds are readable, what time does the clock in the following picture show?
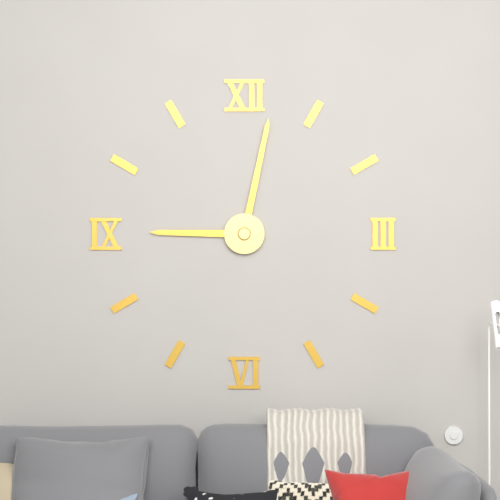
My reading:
**9:02**
